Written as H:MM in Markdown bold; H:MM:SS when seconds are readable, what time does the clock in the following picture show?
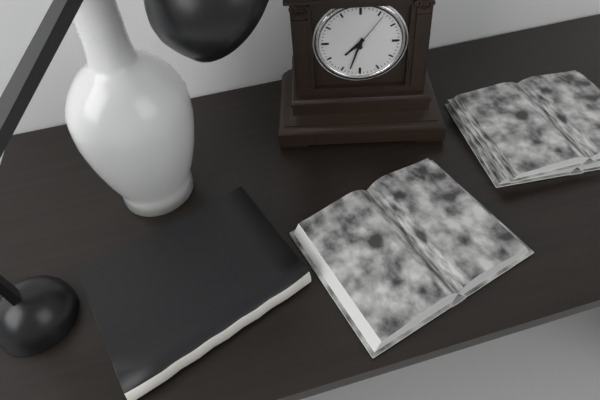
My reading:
**7:33**
